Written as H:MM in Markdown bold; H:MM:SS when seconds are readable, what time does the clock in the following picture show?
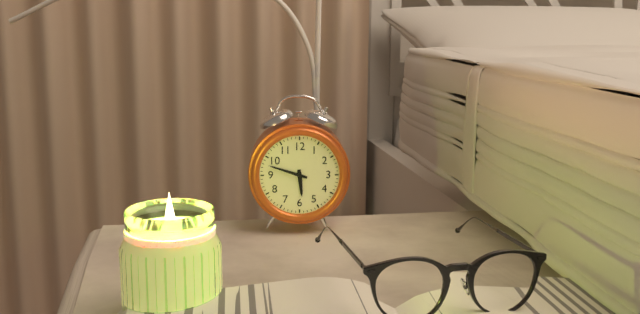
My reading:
**5:48**
